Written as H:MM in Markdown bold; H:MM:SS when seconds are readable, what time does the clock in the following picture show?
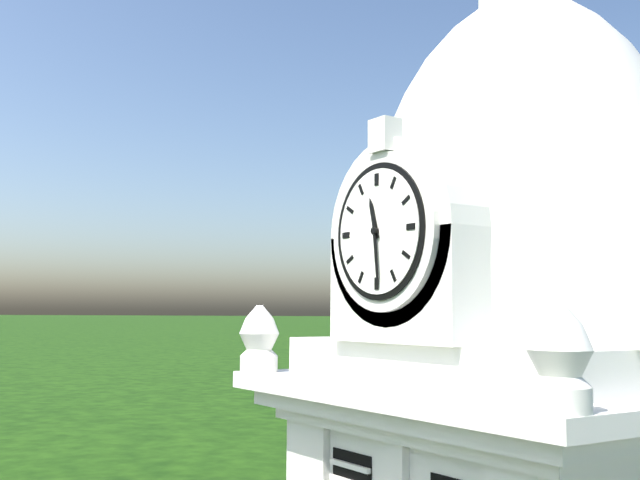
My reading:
**11:29**
